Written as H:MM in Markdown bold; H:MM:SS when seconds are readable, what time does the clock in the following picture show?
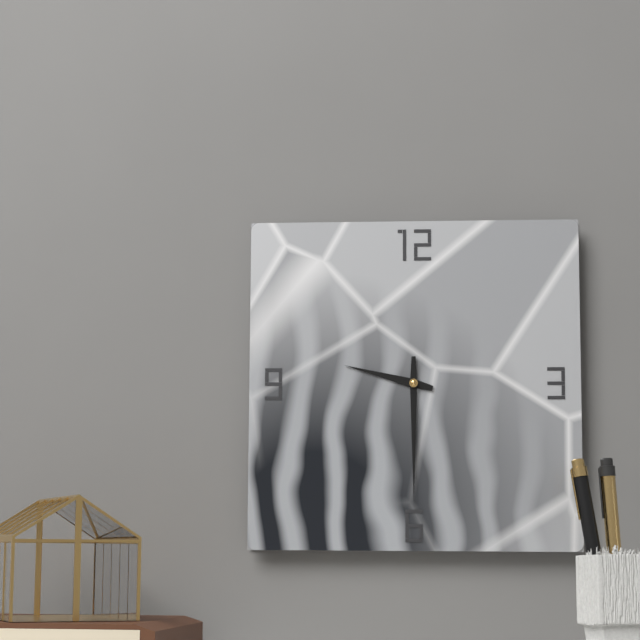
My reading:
**9:30**
